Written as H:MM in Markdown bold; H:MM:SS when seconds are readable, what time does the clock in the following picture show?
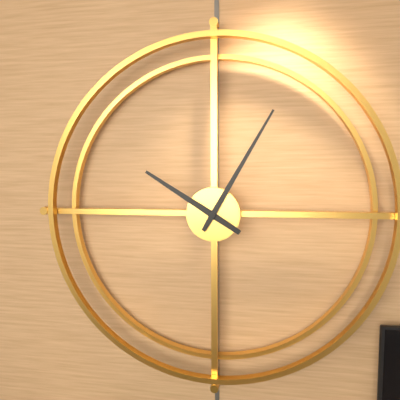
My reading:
**10:05**
